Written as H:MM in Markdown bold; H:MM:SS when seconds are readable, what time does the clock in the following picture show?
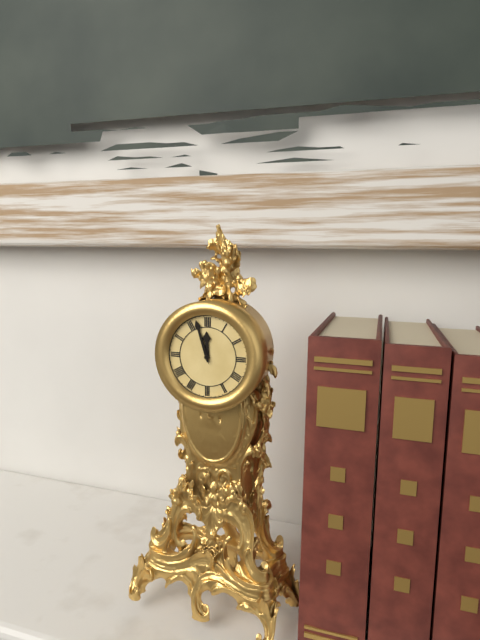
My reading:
**11:57**
